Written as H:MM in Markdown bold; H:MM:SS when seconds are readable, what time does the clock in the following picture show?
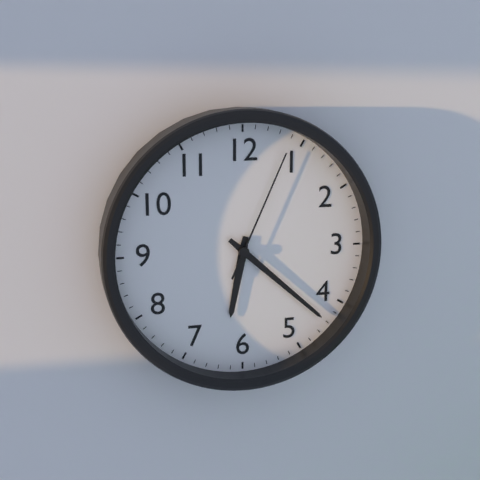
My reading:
**6:22:04**
